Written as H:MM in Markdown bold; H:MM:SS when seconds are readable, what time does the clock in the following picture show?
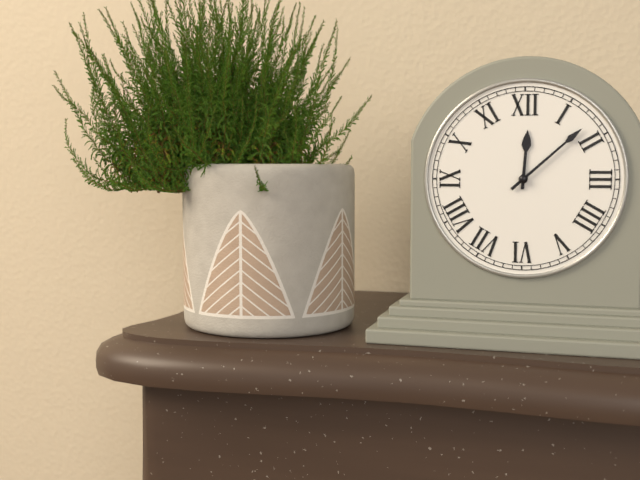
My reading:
**12:08**
